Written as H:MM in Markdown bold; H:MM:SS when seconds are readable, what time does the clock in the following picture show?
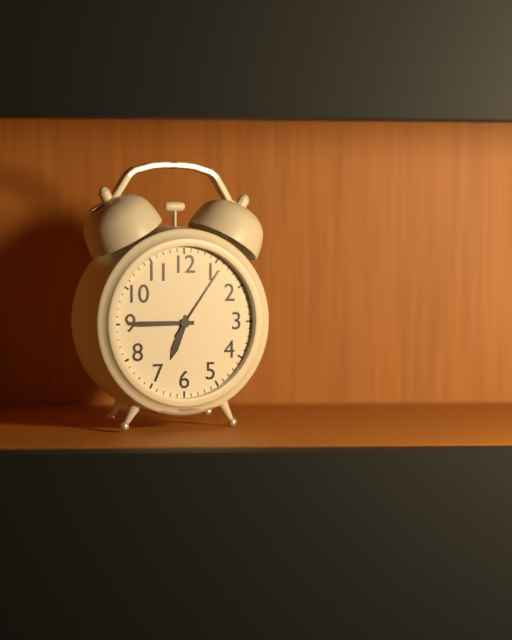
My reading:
**6:45:06**
